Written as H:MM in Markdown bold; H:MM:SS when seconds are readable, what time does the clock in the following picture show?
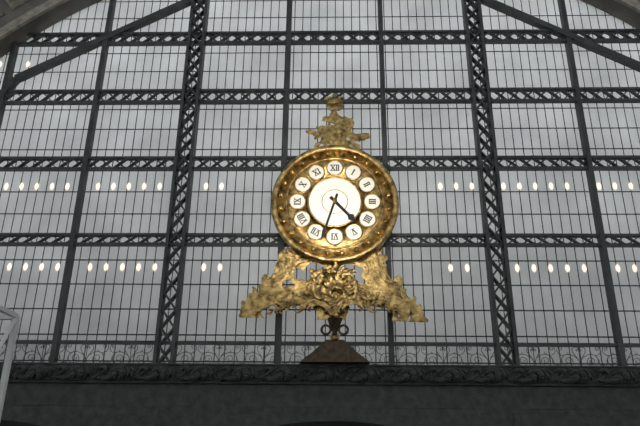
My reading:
**4:33**
